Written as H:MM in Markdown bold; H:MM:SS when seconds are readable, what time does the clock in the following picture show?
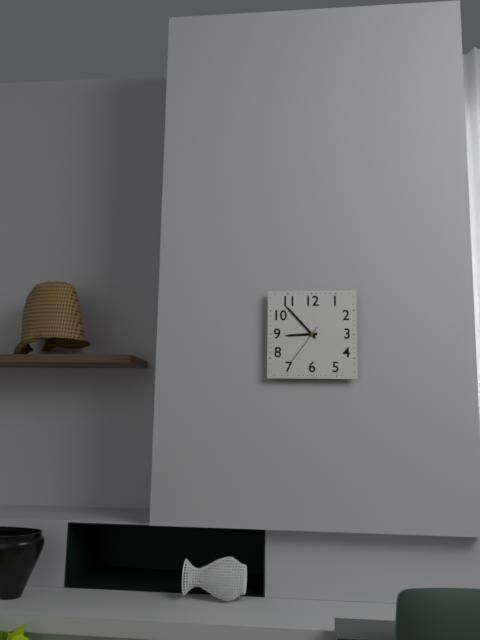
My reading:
**8:53**
